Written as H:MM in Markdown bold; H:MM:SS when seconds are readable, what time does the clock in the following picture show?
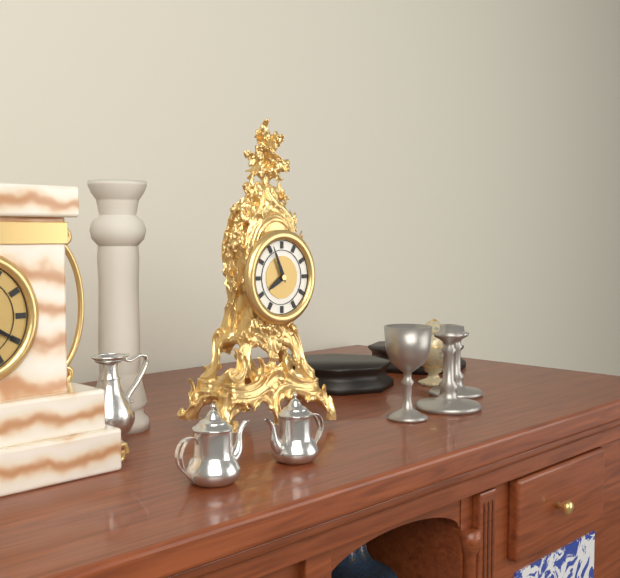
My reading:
**7:56**
